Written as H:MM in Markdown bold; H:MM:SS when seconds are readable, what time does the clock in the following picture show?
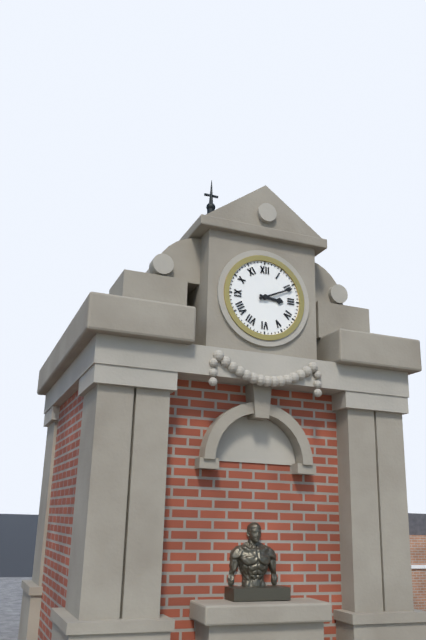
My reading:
**3:11**
